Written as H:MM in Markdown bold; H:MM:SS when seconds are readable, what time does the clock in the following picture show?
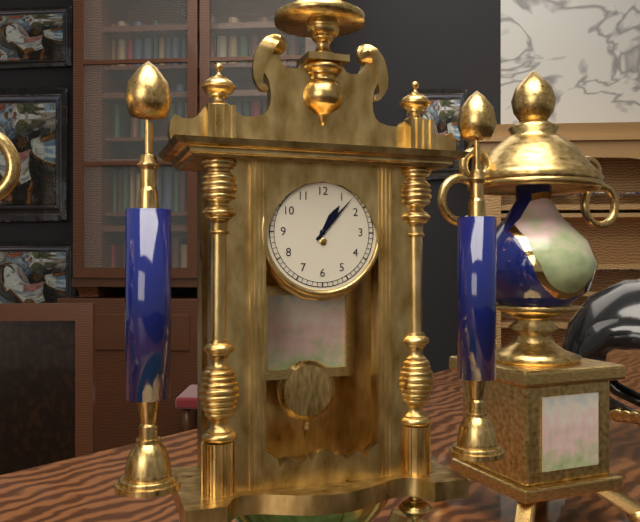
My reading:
**1:07**
